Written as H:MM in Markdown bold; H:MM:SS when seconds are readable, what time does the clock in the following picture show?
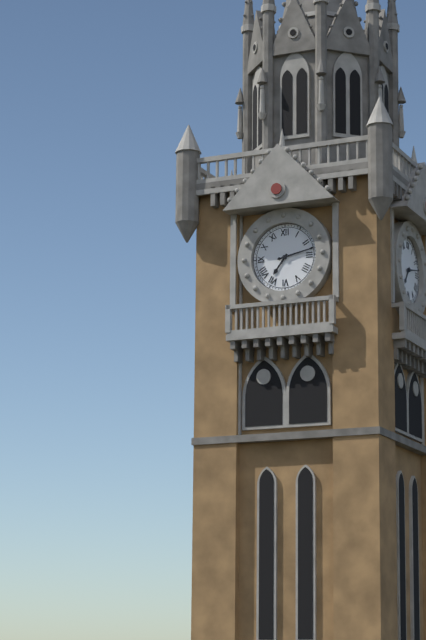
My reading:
**7:13**
